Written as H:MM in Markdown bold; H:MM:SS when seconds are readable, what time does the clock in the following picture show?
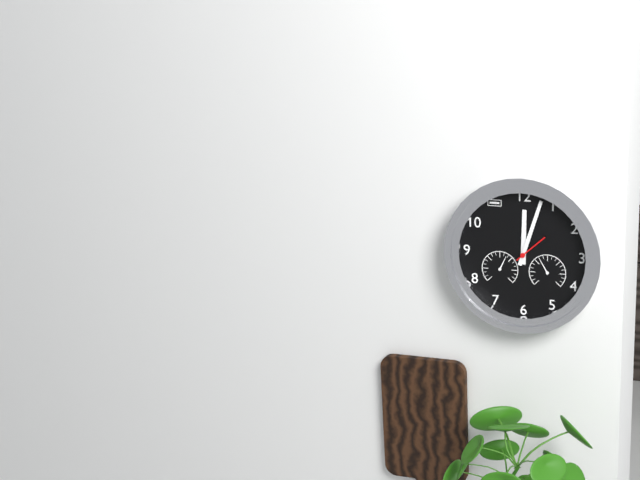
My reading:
**12:03**
